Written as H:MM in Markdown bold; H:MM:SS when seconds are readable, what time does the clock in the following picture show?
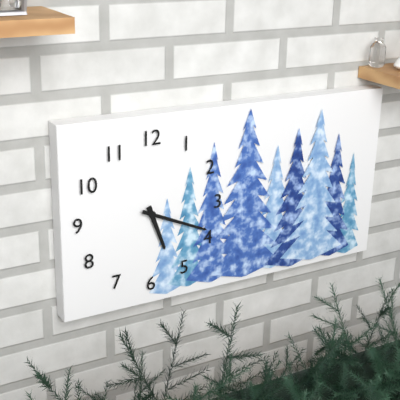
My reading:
**5:19**
